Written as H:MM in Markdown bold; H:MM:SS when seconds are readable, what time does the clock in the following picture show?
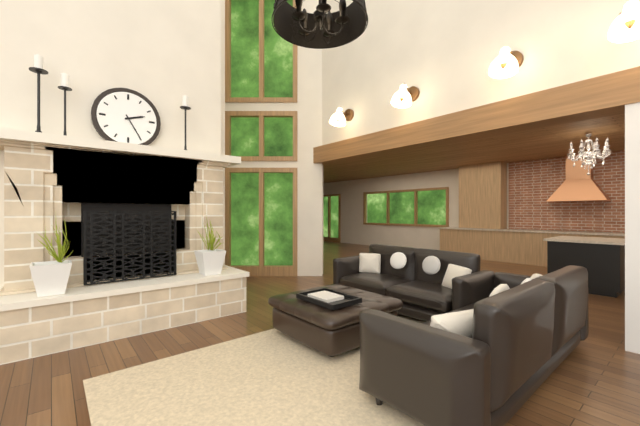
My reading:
**2:25**
